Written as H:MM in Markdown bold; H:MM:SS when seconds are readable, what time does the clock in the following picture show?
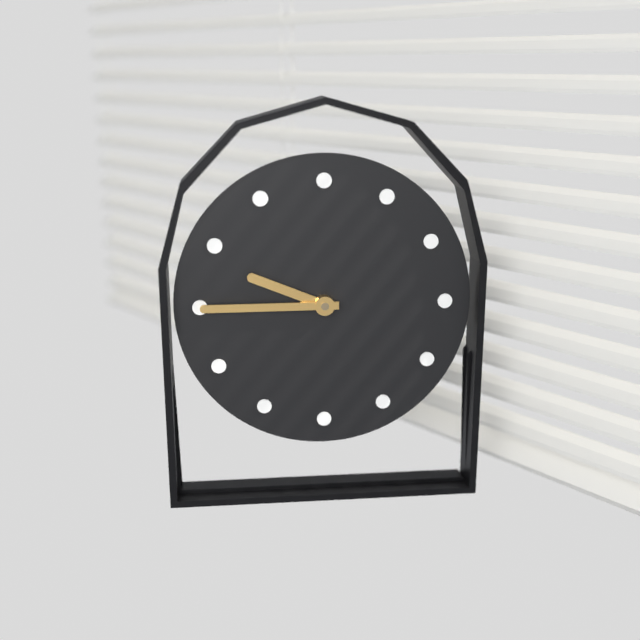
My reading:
**9:45**
